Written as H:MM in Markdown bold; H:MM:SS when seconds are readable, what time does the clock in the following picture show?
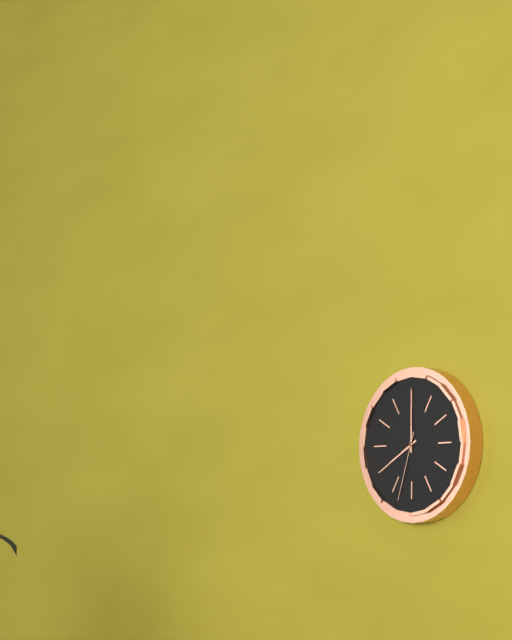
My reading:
**8:00:33**
